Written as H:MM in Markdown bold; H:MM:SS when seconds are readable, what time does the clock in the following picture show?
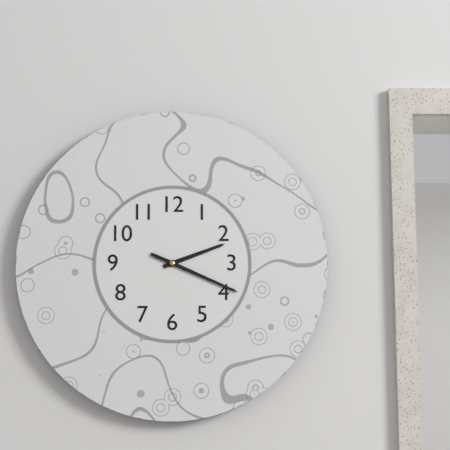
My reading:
**2:19**
